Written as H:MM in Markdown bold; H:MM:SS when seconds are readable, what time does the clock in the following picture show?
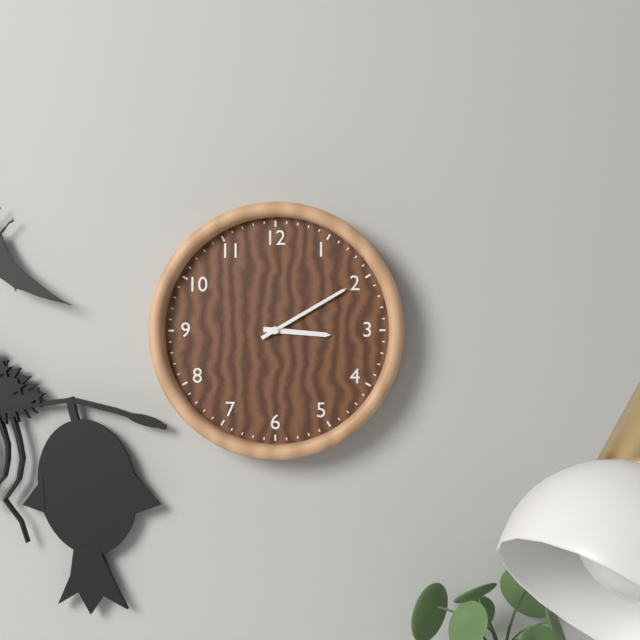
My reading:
**3:10**
